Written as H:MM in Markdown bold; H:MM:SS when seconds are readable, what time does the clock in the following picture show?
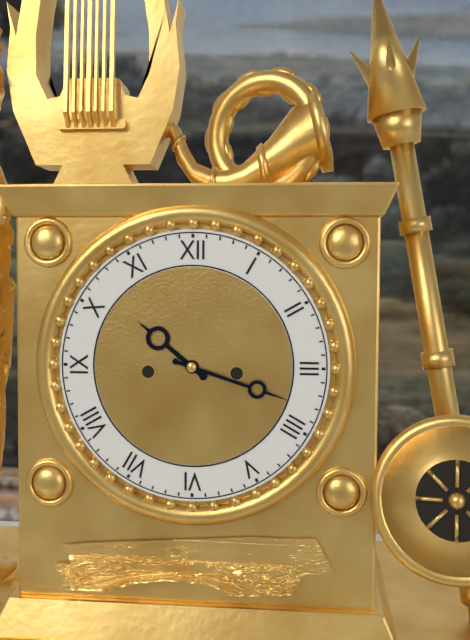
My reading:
**10:18**
